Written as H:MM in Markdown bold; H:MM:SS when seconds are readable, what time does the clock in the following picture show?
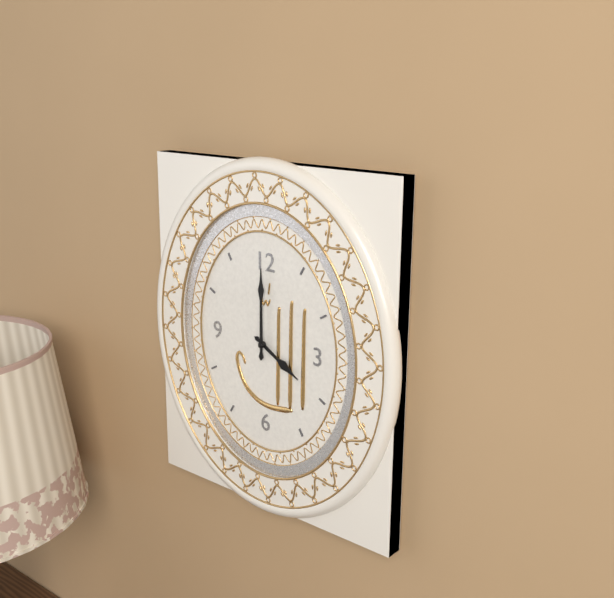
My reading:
**4:00**
